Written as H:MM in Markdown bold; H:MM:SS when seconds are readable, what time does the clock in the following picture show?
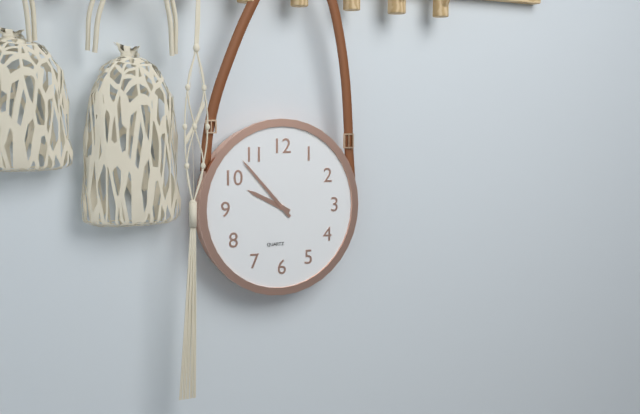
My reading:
**9:53**
